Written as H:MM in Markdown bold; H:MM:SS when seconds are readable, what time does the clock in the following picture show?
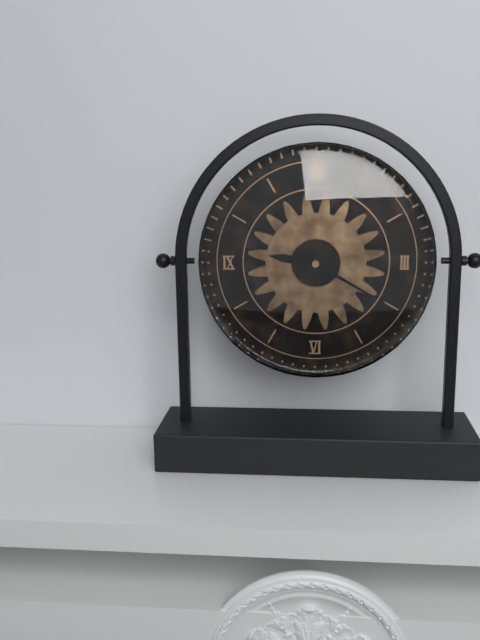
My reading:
**9:20**
